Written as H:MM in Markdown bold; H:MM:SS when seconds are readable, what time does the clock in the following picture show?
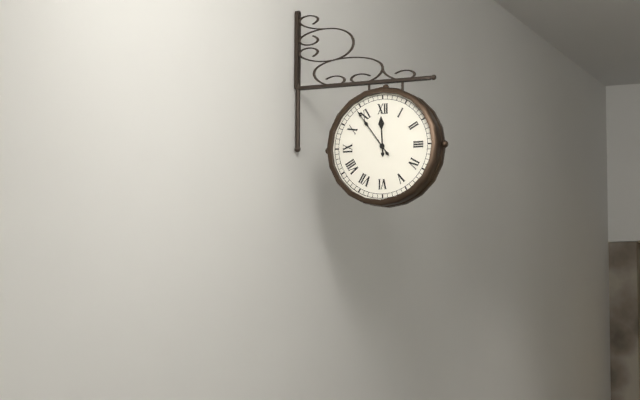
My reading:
**11:54**
